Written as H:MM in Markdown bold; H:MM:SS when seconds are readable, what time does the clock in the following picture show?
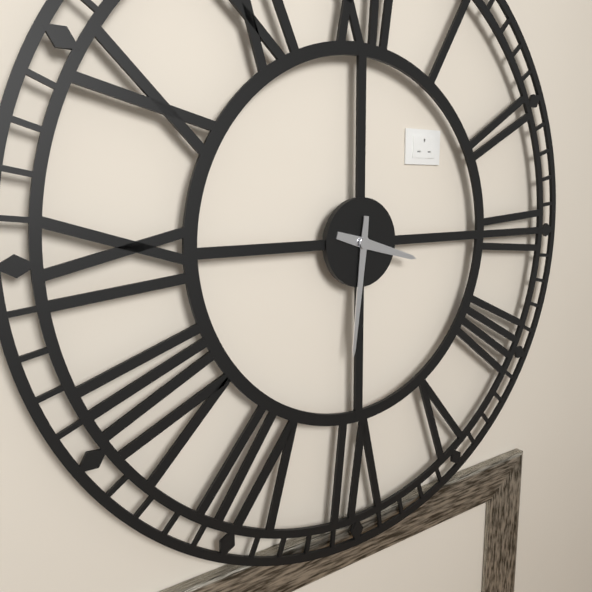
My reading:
**3:31**
